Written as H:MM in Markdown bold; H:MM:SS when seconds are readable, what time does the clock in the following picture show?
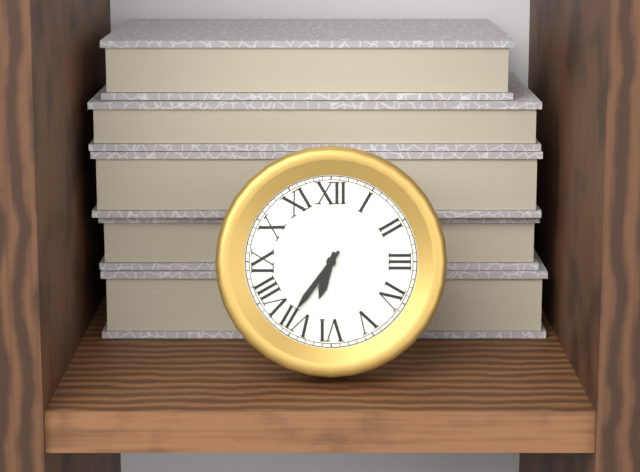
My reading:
**6:36**
